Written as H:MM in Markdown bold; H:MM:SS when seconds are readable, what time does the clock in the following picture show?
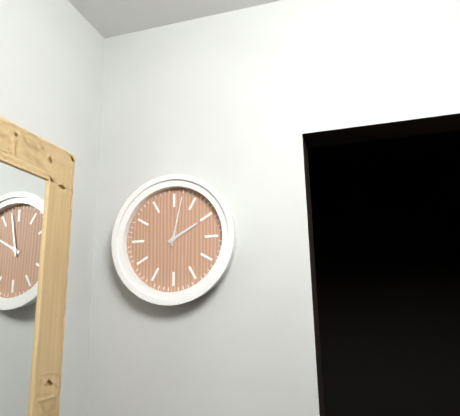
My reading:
**2:02**
